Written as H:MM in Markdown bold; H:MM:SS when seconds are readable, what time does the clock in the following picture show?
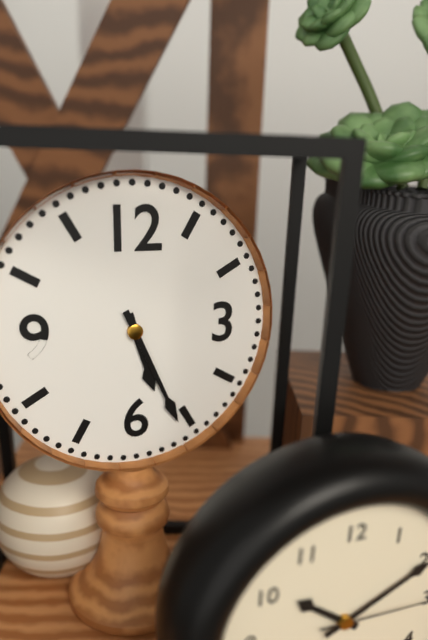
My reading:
**5:26**
